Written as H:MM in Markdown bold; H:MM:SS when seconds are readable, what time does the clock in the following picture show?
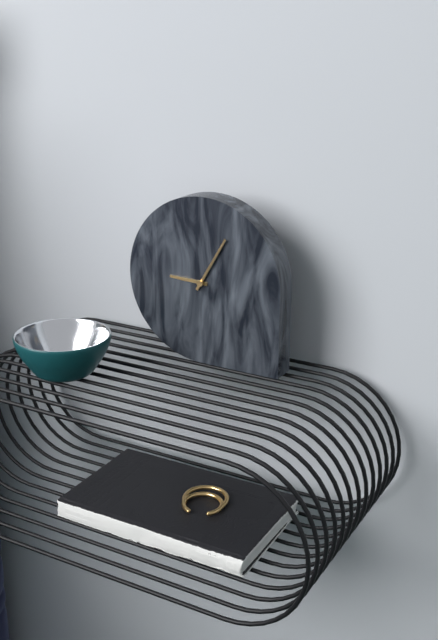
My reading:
**9:05**
